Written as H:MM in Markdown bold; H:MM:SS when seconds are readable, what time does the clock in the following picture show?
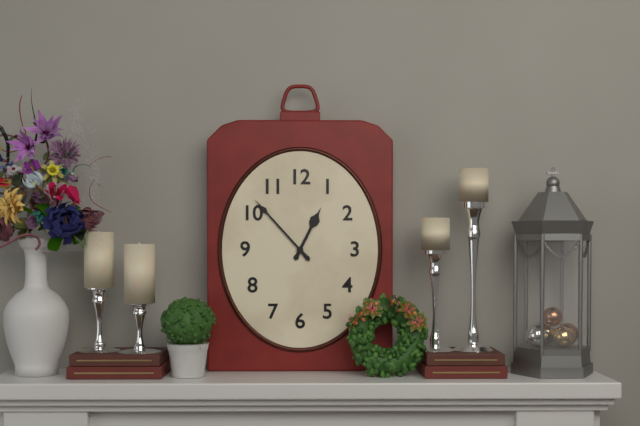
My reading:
**12:53**
